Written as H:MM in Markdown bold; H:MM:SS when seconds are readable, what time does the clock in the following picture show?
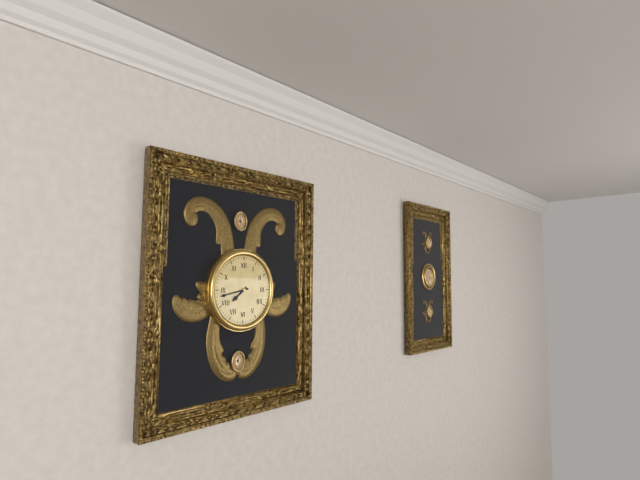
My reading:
**7:43**
